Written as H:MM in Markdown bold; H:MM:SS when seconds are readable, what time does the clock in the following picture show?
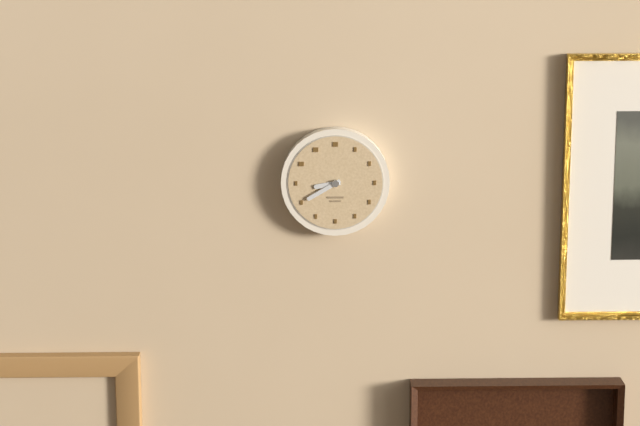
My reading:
**8:40**
